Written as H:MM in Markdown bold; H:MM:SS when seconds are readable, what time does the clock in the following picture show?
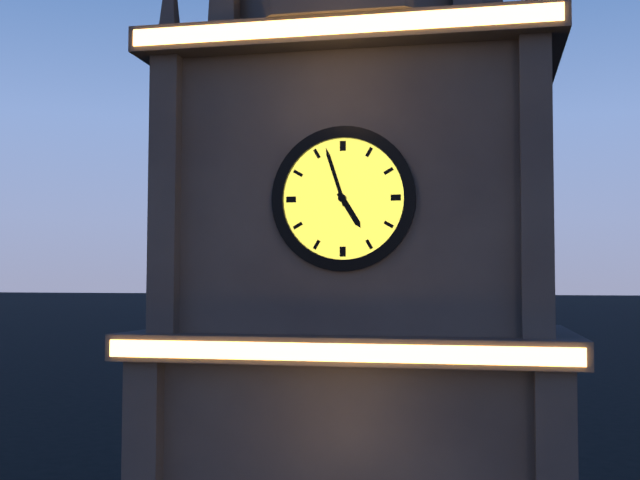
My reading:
**4:57**
